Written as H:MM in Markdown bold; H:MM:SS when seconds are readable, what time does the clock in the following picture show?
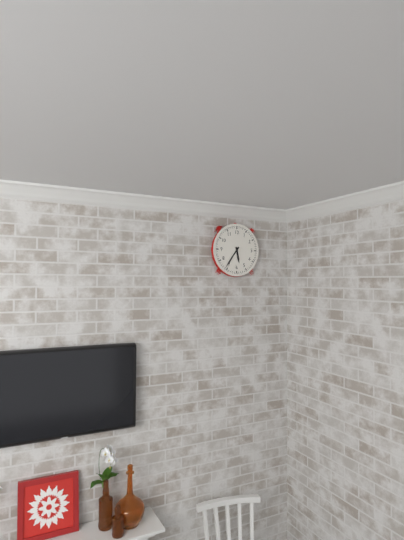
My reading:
**5:36**
